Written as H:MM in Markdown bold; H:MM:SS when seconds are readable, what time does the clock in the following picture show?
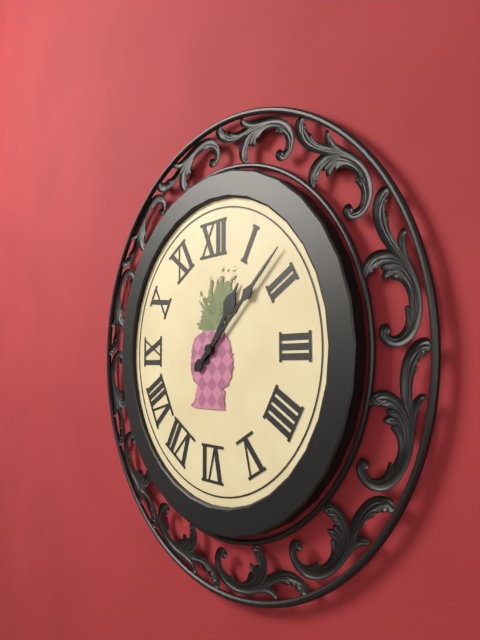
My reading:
**1:08**
